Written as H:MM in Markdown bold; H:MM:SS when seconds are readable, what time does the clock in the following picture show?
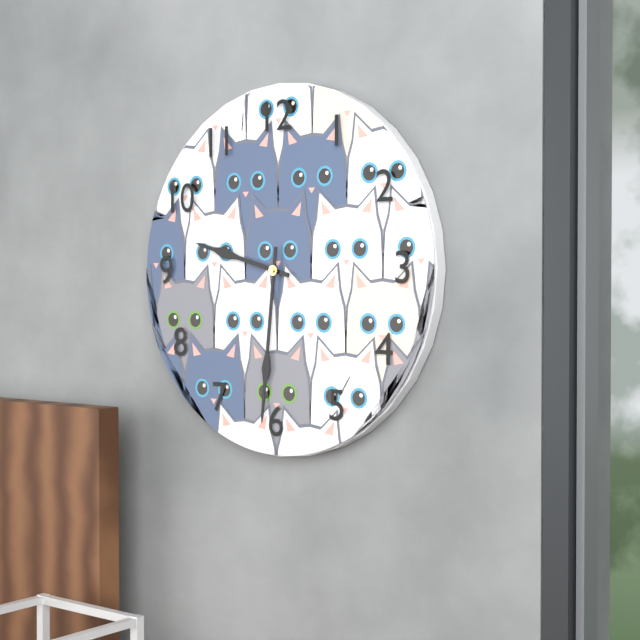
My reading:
**9:31**
